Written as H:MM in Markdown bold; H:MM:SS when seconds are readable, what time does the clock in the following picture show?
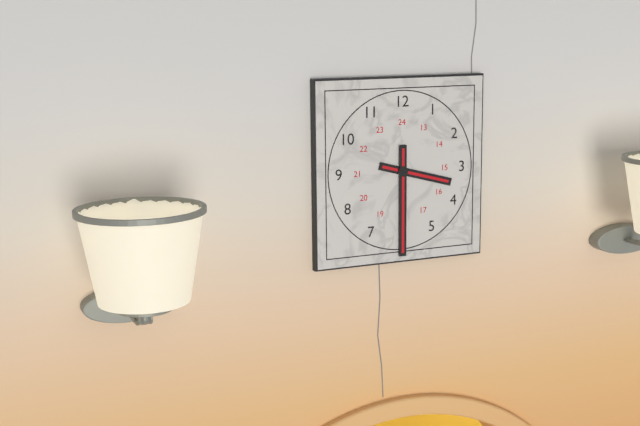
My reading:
**3:30**
